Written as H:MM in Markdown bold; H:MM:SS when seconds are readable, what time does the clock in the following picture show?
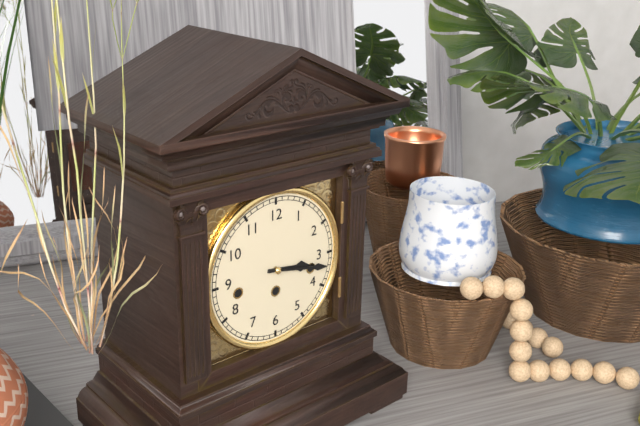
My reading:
**3:17**
